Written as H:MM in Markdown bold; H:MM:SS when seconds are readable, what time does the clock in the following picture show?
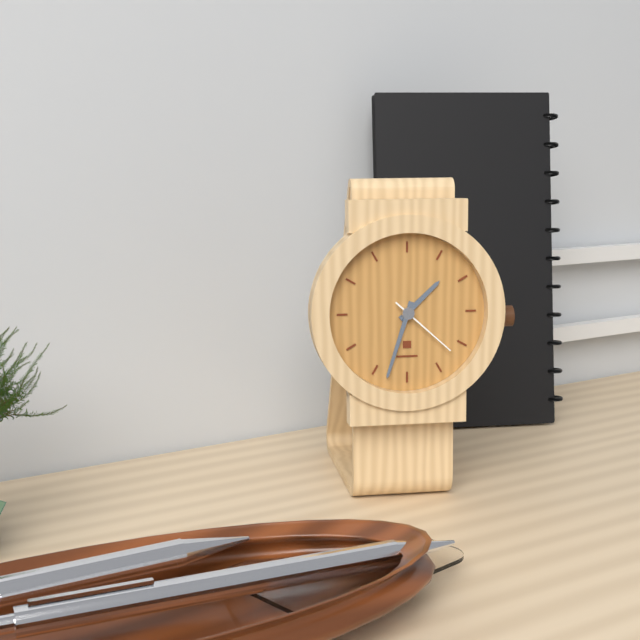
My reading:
**1:33:22**
